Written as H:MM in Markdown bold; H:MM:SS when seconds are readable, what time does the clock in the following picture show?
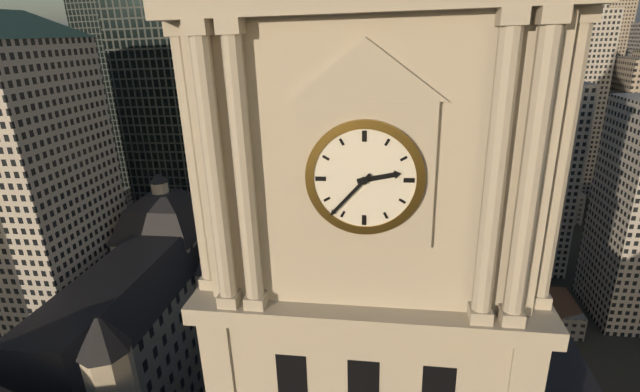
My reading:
**2:37**
